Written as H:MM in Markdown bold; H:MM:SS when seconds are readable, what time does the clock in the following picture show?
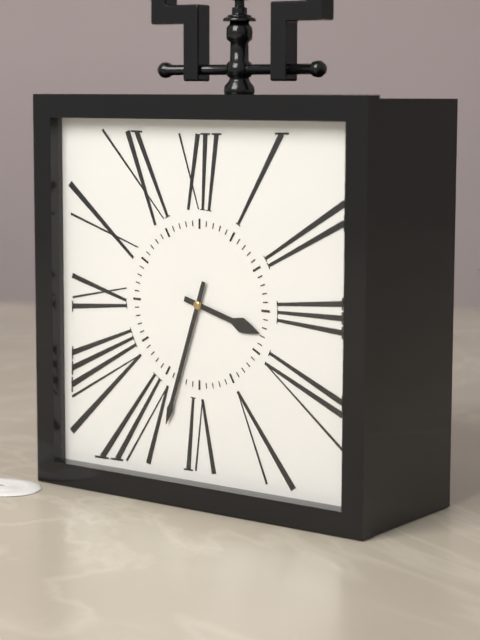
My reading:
**3:33**
